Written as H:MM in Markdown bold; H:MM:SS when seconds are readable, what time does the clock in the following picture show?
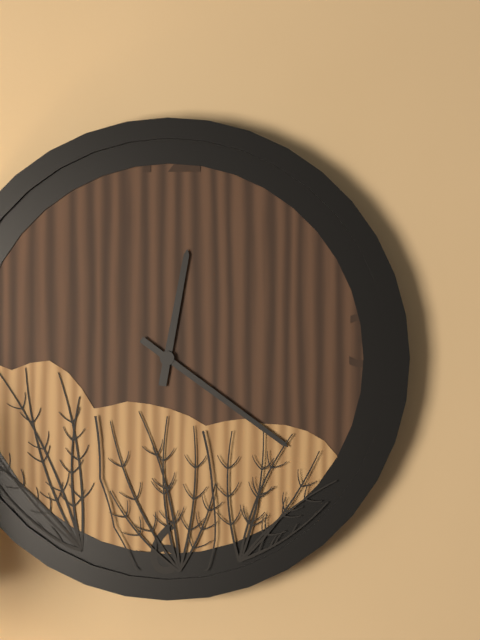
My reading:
**12:21**
